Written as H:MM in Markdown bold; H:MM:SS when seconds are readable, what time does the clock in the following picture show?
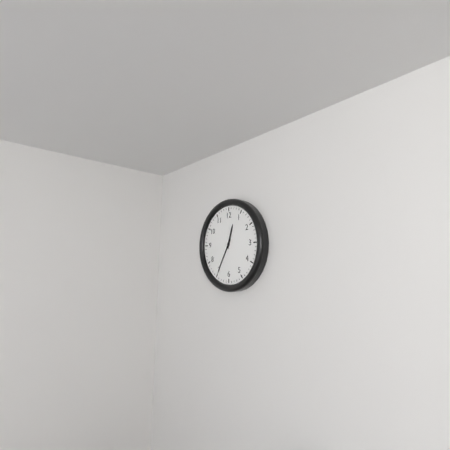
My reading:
**12:35**
